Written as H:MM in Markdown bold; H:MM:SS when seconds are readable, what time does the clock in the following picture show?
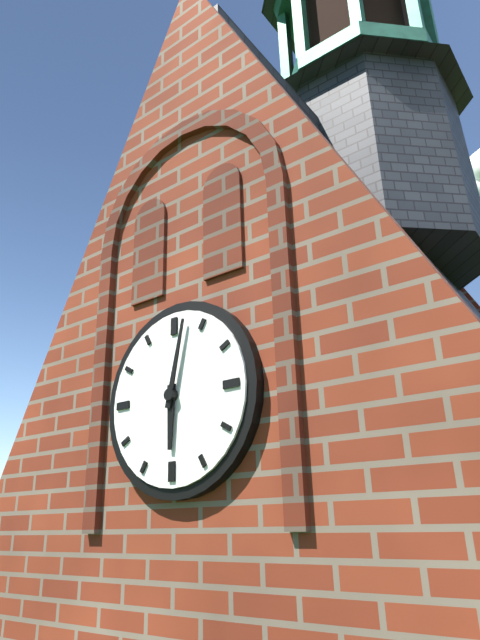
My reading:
**6:02**
